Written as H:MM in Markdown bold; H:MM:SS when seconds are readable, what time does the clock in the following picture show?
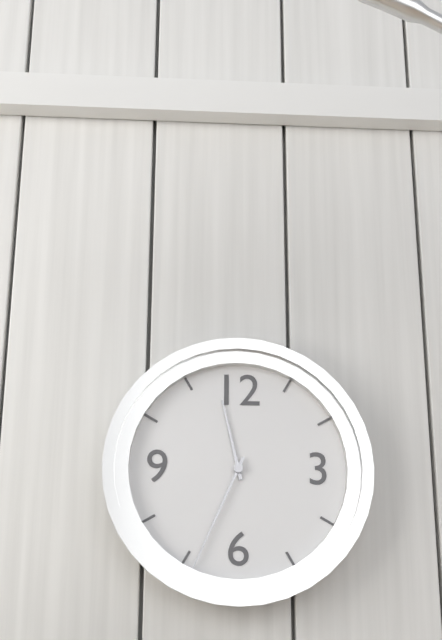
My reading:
**11:34**
